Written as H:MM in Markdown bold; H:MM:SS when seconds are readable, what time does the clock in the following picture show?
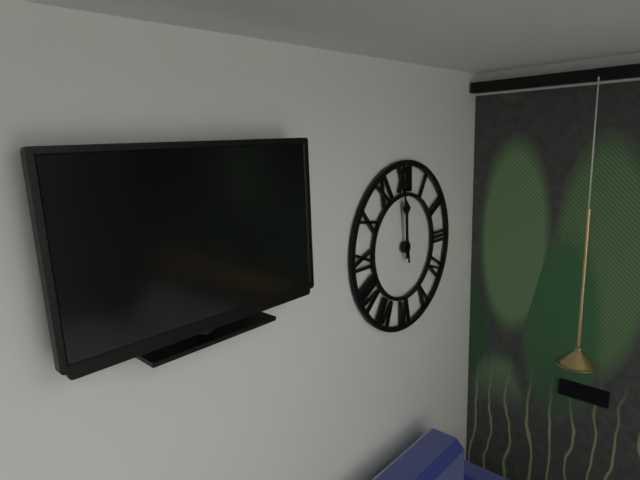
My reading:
**11:59**
